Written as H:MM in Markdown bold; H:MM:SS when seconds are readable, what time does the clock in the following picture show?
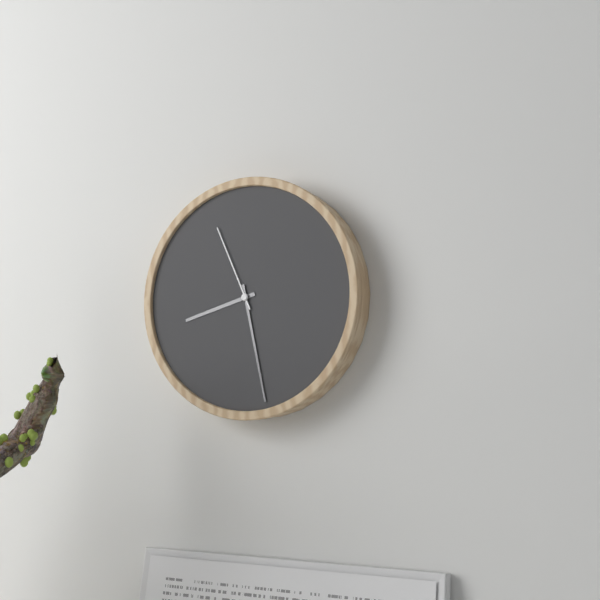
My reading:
**8:28:56**
